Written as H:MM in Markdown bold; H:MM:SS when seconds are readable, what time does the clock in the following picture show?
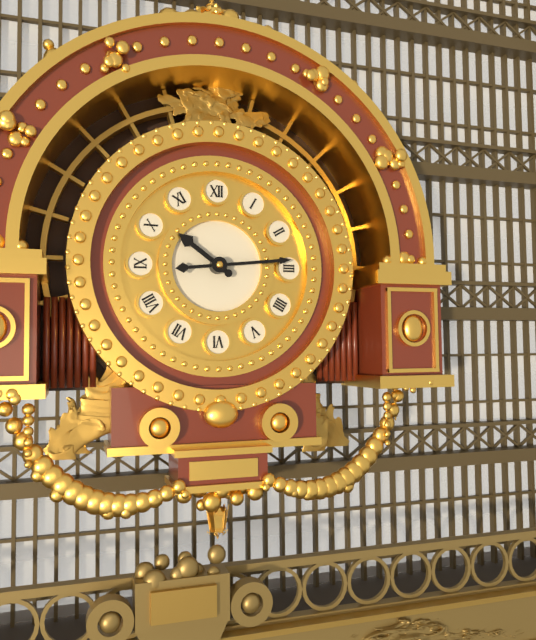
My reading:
**10:14**
